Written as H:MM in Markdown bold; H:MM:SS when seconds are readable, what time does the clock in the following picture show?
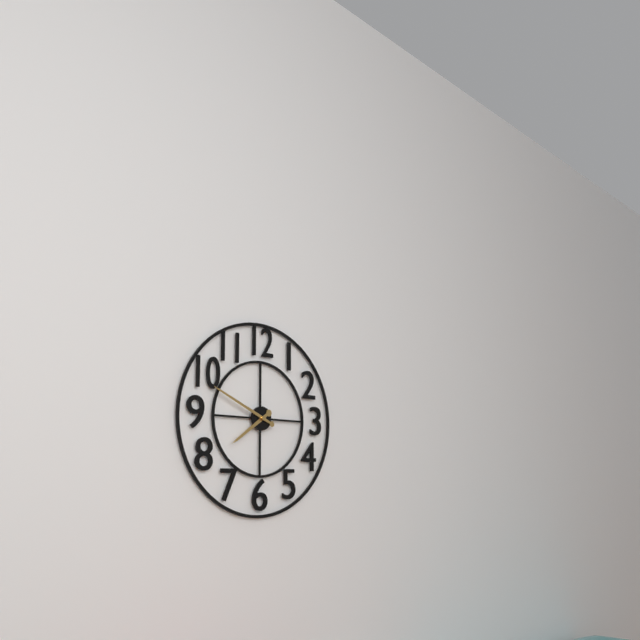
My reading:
**7:49**
